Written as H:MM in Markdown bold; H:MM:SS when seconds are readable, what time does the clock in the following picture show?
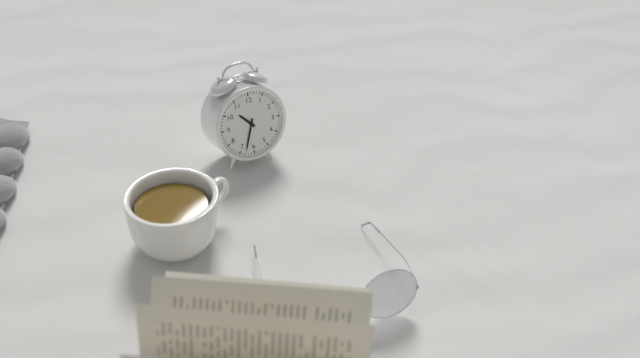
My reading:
**10:33**
